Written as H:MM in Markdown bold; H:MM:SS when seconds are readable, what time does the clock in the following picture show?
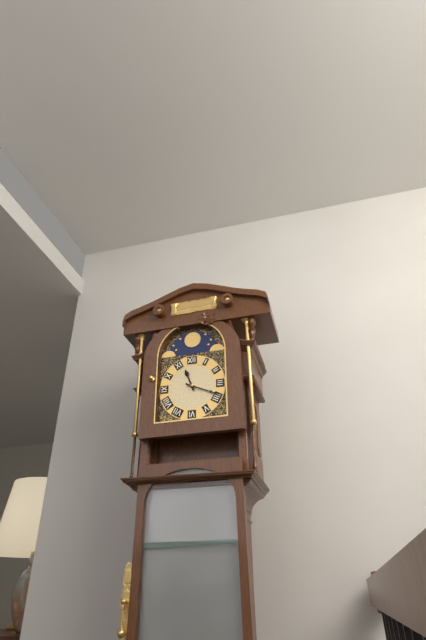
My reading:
**11:19**
